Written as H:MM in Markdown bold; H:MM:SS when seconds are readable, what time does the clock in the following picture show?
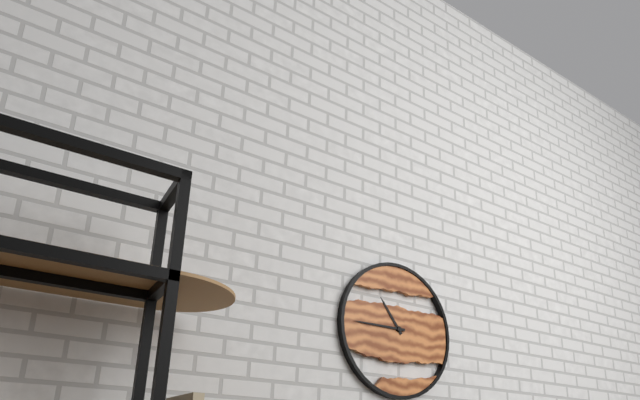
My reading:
**10:45**
